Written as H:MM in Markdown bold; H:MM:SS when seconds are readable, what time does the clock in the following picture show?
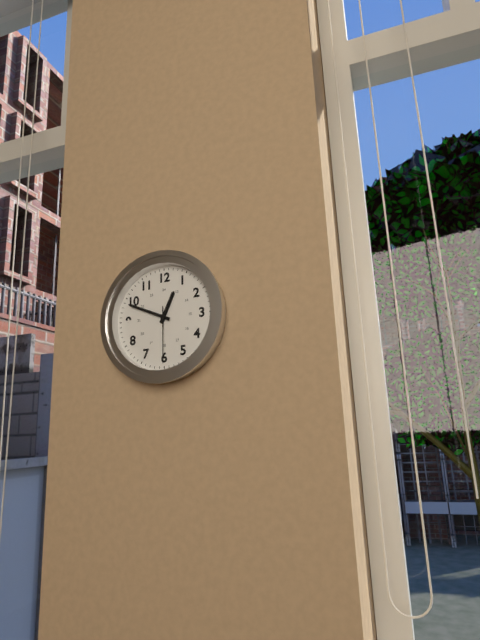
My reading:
**12:49:30**
